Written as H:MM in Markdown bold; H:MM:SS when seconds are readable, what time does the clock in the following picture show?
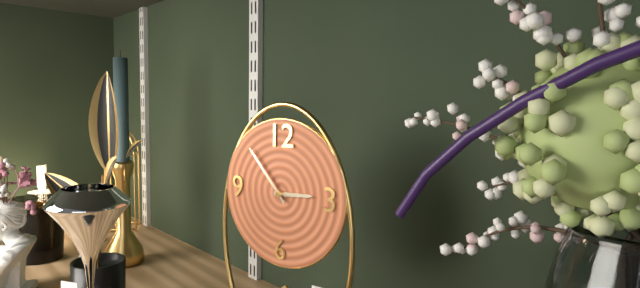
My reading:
**2:53**
